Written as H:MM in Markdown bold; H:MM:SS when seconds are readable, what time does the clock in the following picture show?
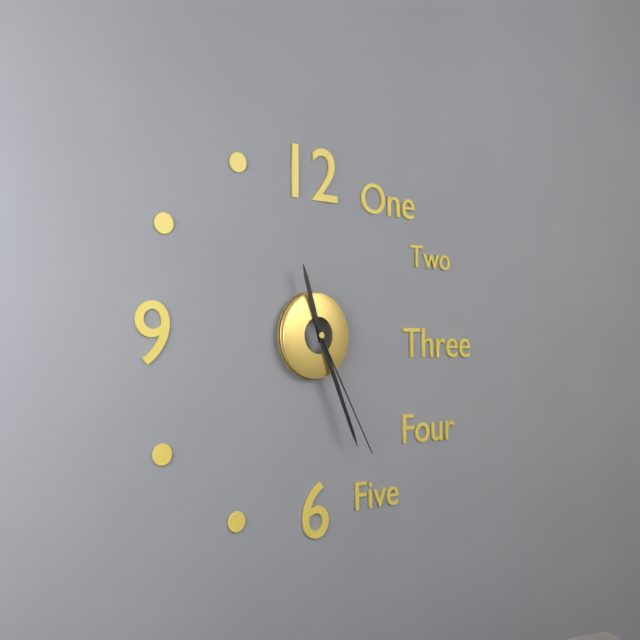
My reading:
**11:26:25**
